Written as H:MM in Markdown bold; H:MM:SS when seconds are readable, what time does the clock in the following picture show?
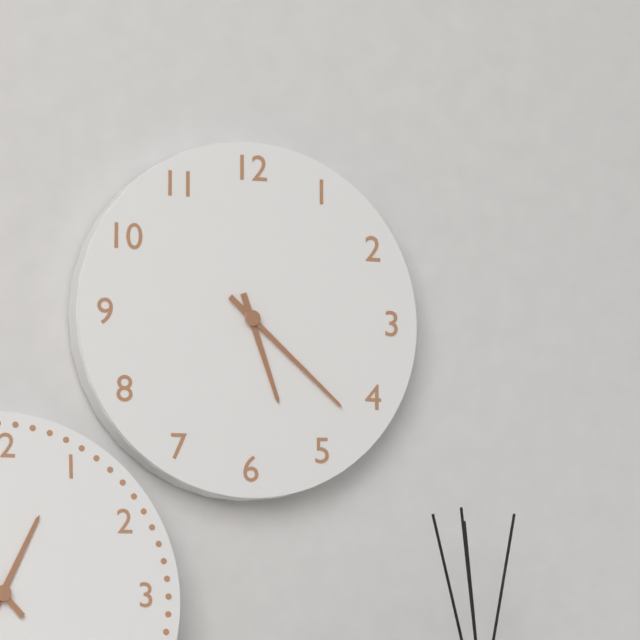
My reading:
**5:22**
